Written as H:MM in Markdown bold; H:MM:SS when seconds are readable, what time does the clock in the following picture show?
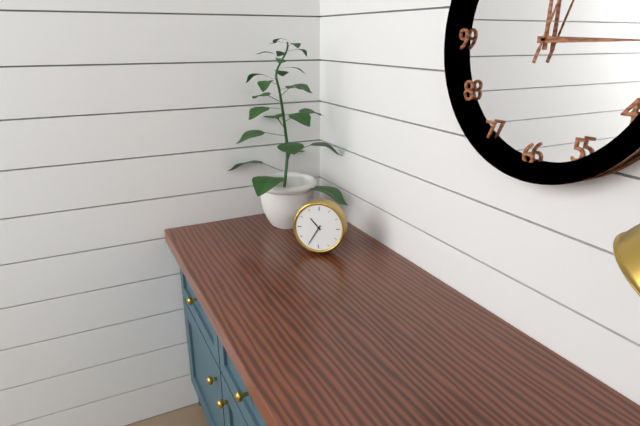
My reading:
**10:35**
